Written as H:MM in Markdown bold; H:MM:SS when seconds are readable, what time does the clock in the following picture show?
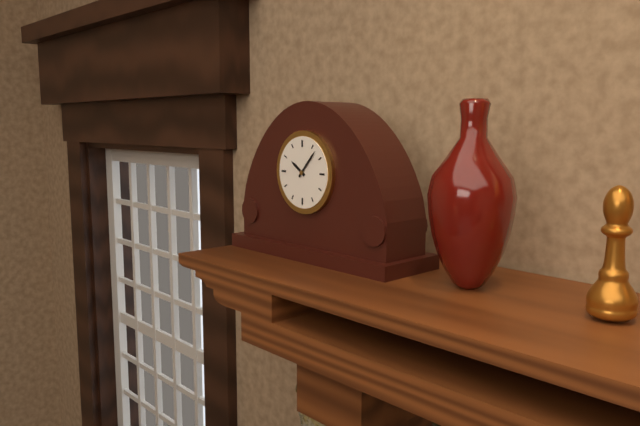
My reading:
**10:07**
